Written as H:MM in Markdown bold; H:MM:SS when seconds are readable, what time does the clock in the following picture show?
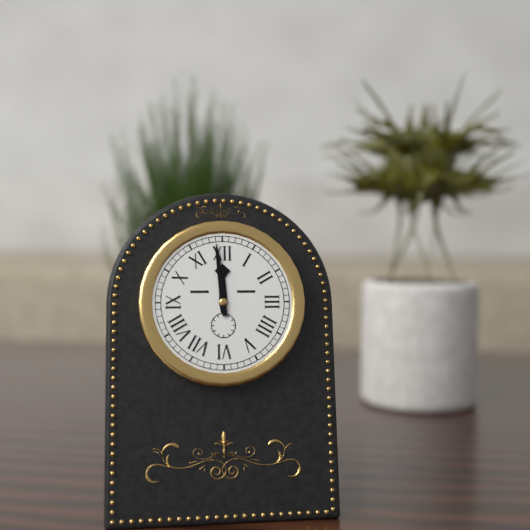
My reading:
**11:59**
